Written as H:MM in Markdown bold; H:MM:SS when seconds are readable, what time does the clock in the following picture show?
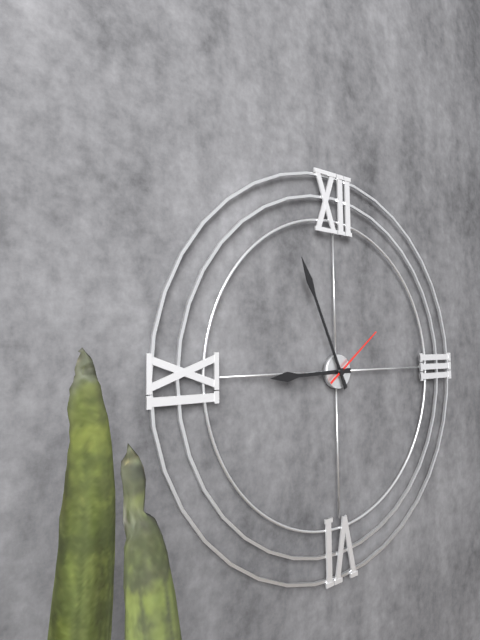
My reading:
**8:56:09**
